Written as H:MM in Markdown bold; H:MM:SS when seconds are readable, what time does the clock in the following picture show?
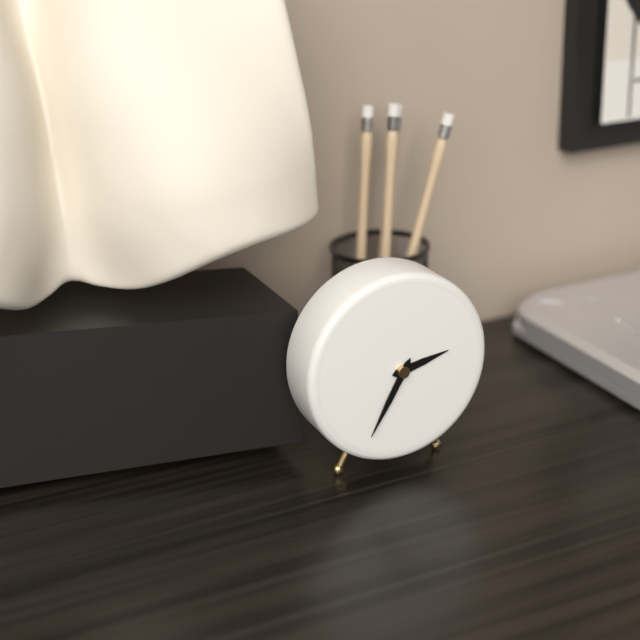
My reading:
**2:35**
